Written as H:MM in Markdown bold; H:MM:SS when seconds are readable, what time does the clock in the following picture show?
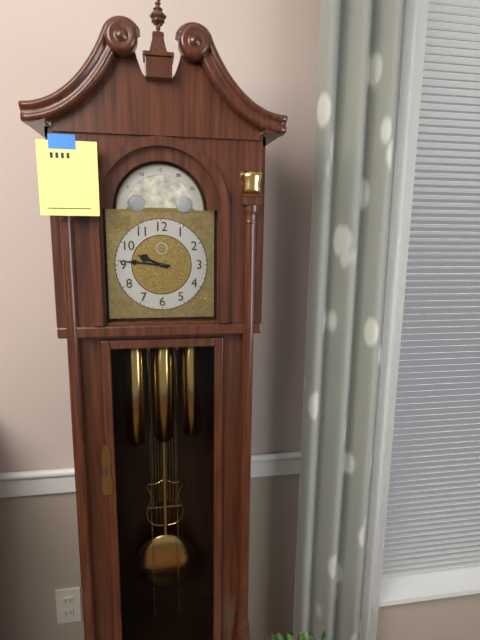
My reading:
**9:46**
